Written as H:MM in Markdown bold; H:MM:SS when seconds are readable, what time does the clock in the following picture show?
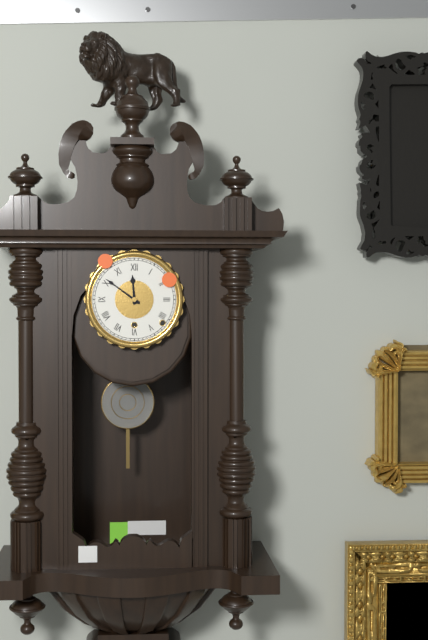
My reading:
**11:51**
